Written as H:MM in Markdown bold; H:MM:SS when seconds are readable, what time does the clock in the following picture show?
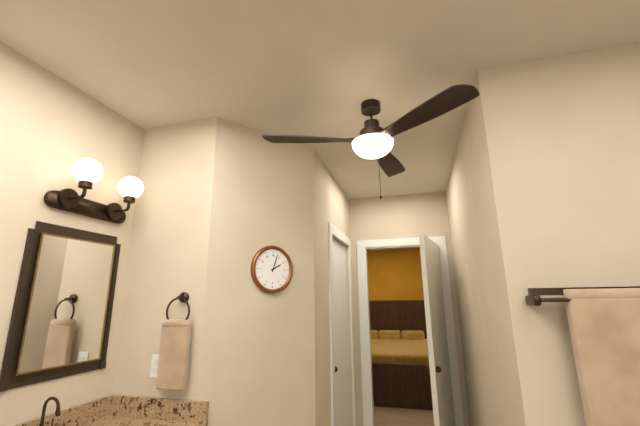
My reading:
**2:03**
